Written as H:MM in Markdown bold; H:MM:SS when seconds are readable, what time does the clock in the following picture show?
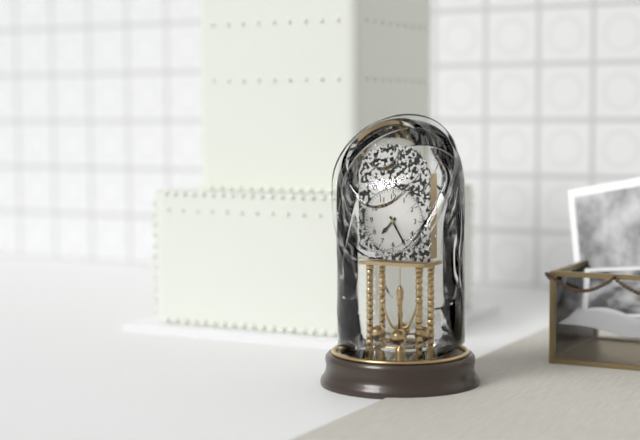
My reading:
**7:25**
